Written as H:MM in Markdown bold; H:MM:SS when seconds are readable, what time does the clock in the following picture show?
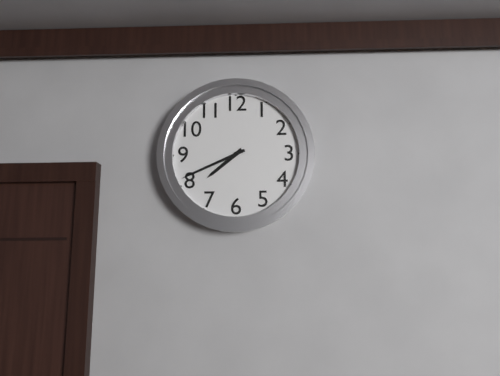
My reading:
**7:41**
